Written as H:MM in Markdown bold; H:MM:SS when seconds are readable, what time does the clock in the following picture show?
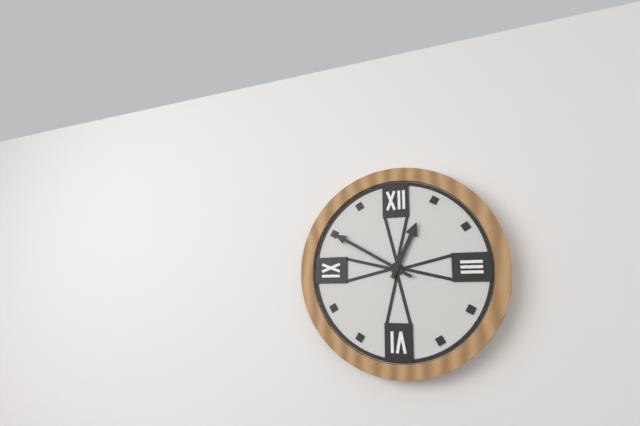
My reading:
**12:50**
